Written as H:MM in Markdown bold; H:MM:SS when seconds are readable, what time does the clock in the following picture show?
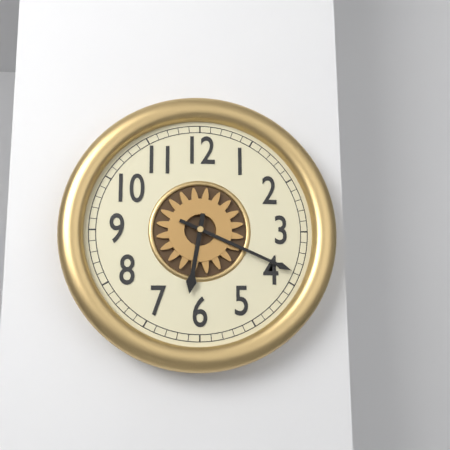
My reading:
**6:19**
